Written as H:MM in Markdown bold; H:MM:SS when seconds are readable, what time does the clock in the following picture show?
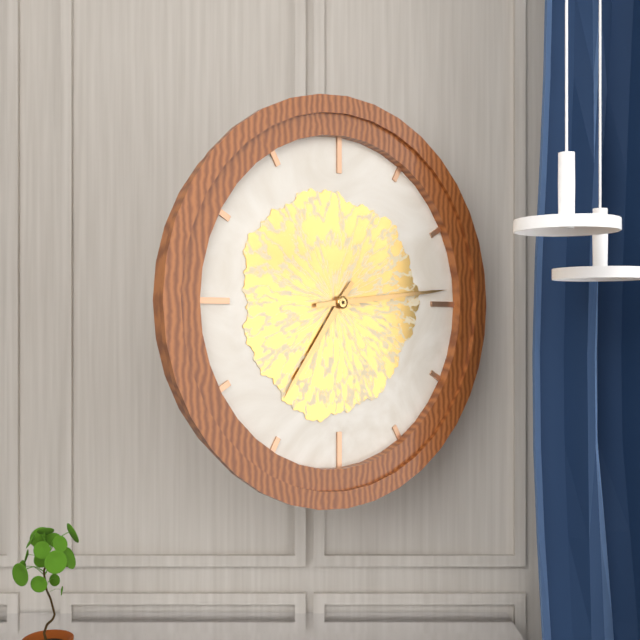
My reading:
**7:14**
